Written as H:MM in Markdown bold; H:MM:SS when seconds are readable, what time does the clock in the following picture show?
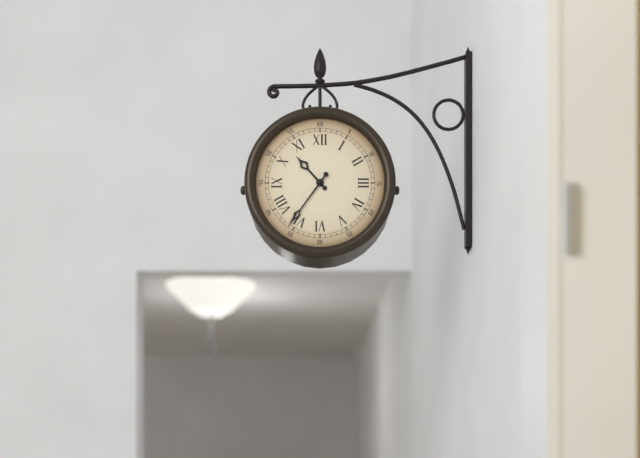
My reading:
**10:36**
